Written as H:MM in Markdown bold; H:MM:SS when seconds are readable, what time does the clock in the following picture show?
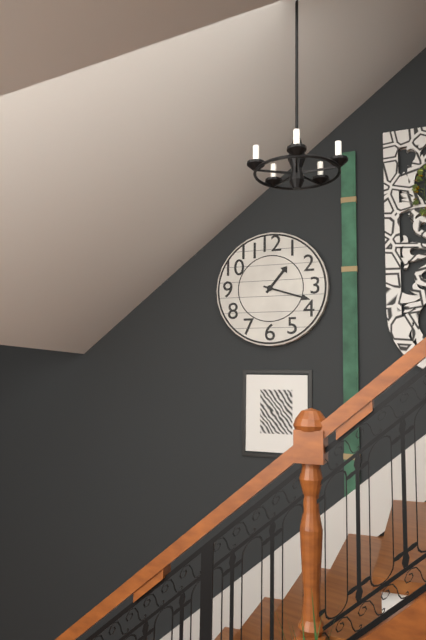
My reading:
**1:18**
